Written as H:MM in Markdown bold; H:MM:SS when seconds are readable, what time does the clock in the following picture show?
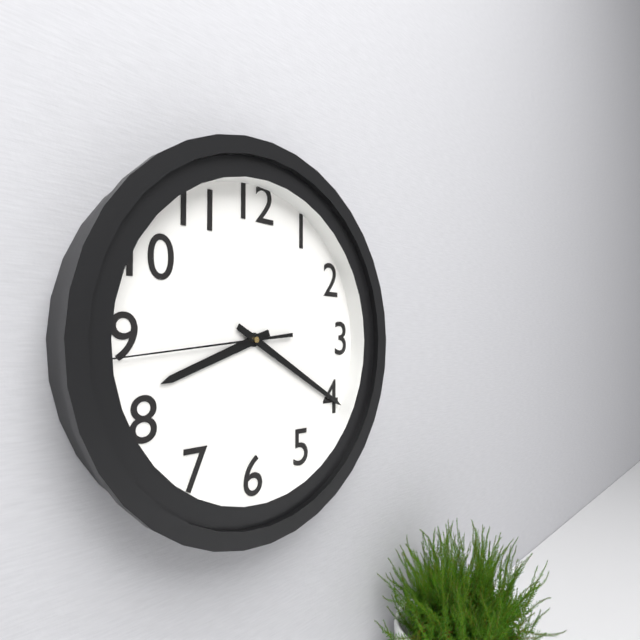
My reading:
**8:20:44**
